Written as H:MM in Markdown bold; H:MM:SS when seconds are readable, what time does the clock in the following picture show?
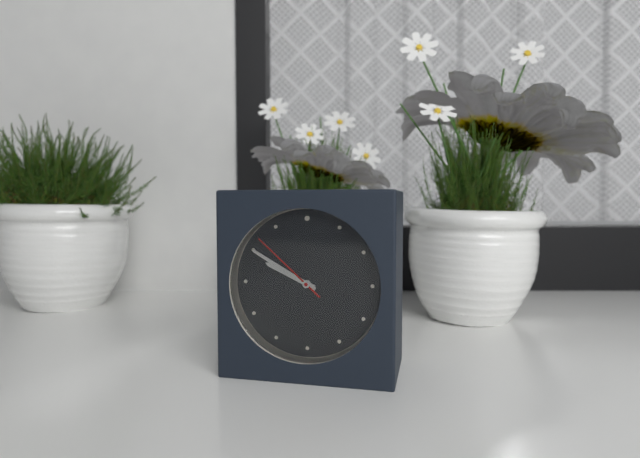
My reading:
**9:50:52**
